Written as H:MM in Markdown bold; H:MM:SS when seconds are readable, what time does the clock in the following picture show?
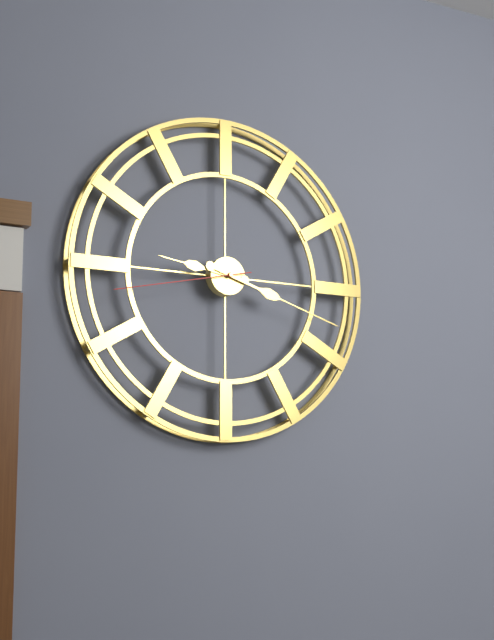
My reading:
**9:18:43**
